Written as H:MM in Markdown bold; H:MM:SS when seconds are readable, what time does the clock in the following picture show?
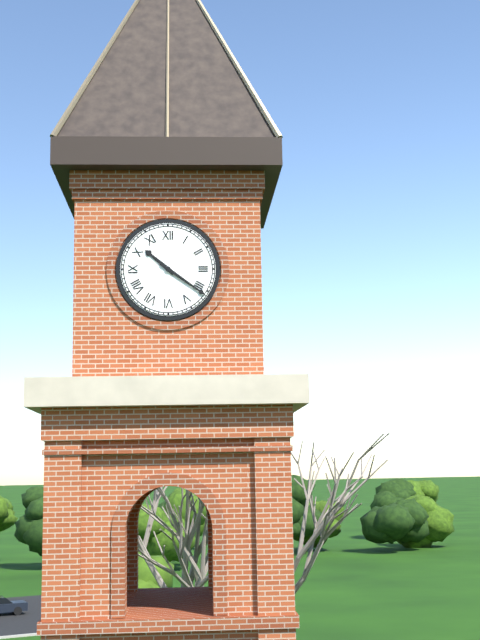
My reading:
**10:21**
